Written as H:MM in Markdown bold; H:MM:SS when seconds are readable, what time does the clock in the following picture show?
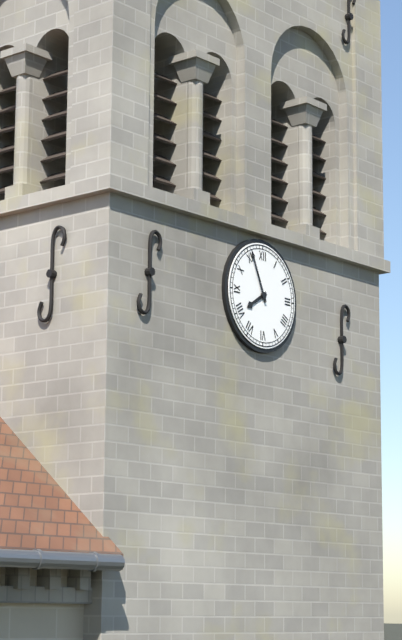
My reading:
**7:56**
